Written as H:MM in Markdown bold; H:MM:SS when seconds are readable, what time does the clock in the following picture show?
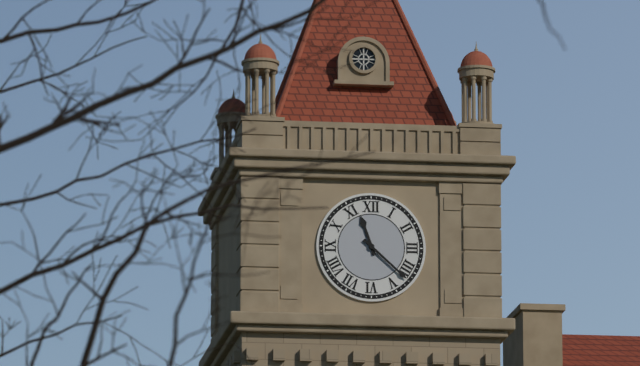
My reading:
**11:22**
